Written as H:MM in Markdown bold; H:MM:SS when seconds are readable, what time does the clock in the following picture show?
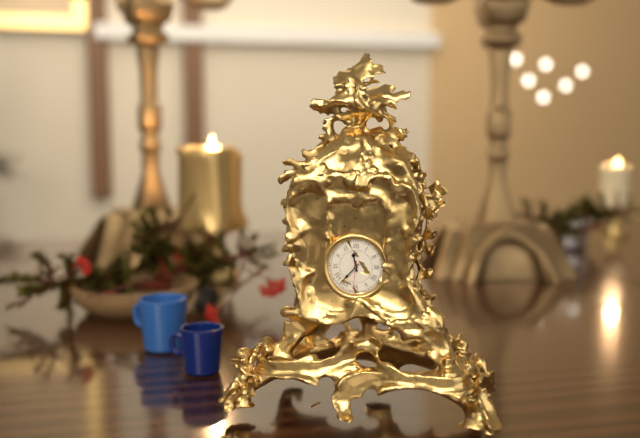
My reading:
**11:37**
